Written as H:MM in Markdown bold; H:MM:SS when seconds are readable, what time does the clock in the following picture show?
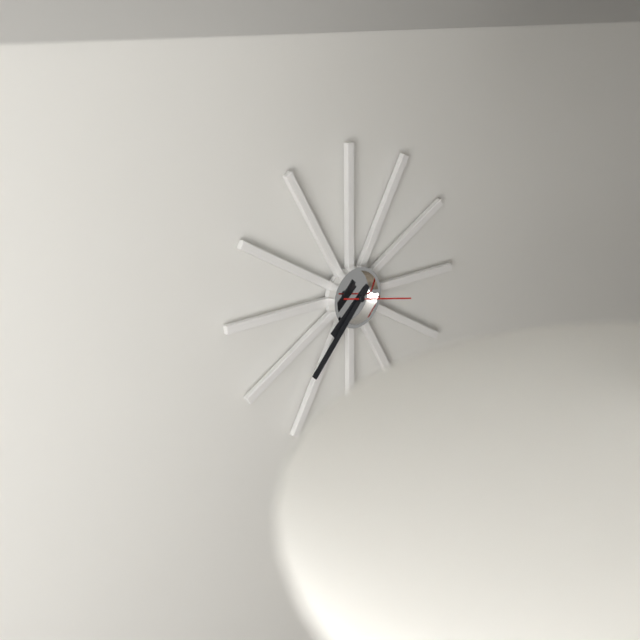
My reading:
**7:37:17**
